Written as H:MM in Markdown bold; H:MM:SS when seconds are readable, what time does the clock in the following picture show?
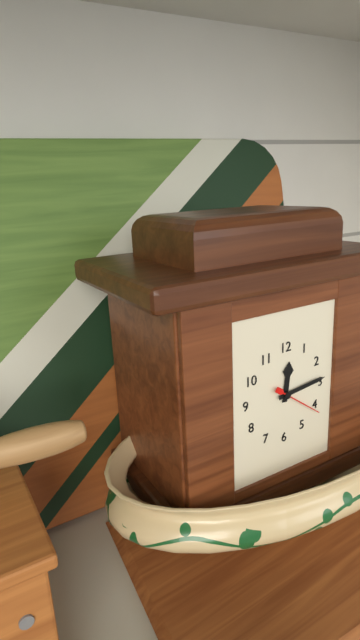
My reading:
**12:14:21**
